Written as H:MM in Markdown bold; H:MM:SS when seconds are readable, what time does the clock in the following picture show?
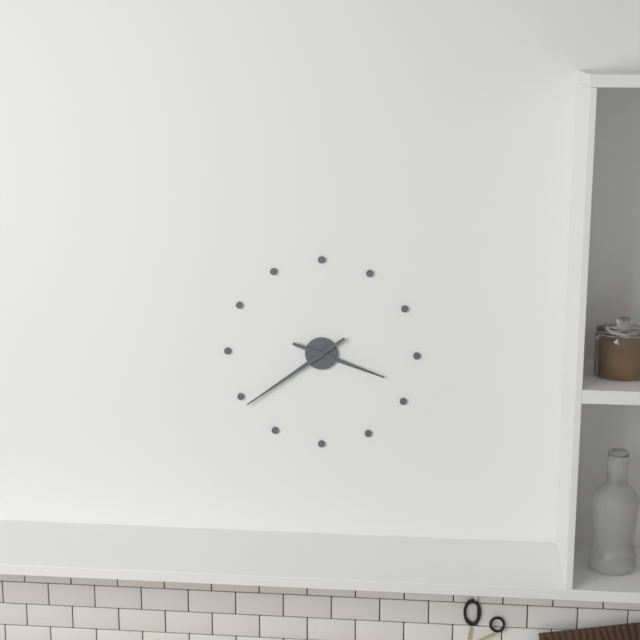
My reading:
**3:39**
